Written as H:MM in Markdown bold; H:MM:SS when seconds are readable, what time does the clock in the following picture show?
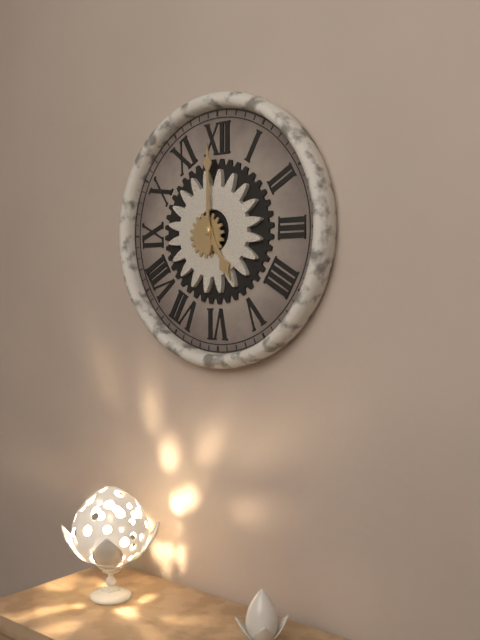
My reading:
**5:00**
